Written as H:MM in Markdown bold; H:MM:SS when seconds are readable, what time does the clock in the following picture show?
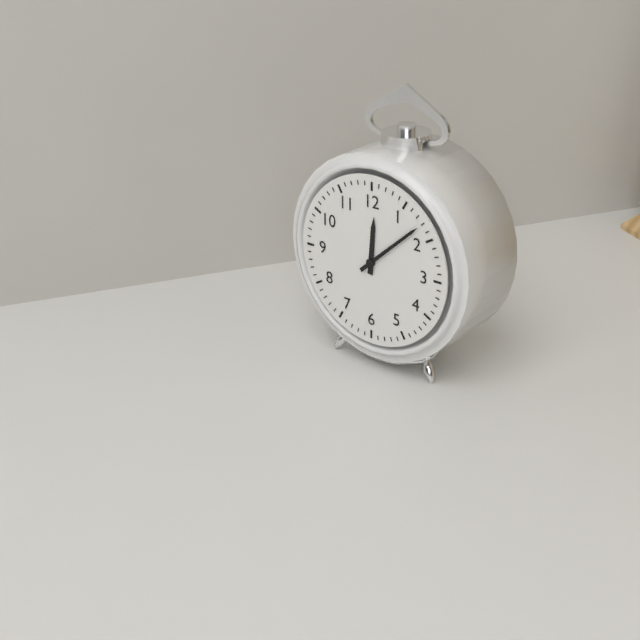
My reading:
**12:08**
